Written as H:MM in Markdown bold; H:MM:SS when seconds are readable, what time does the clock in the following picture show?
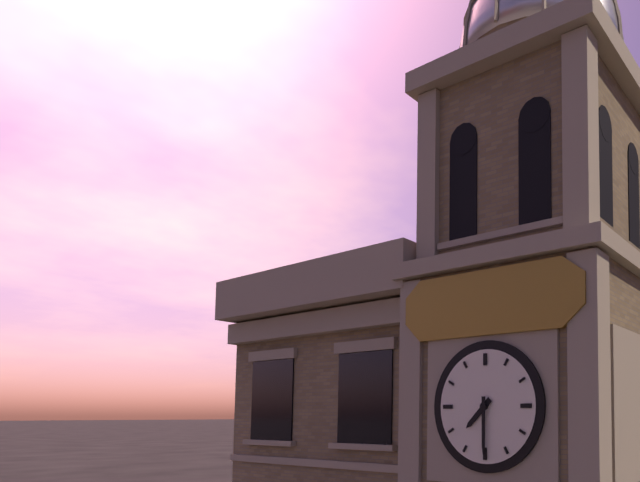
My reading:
**7:30**
